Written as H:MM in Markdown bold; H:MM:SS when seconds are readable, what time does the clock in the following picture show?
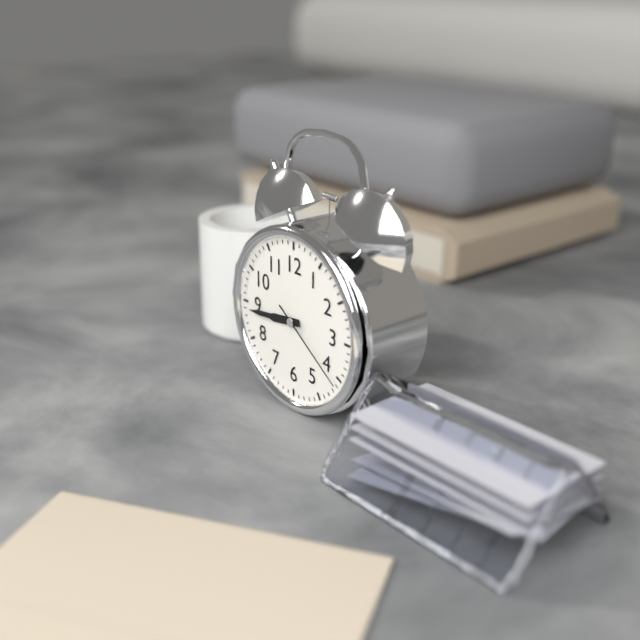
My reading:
**8:44:21**
